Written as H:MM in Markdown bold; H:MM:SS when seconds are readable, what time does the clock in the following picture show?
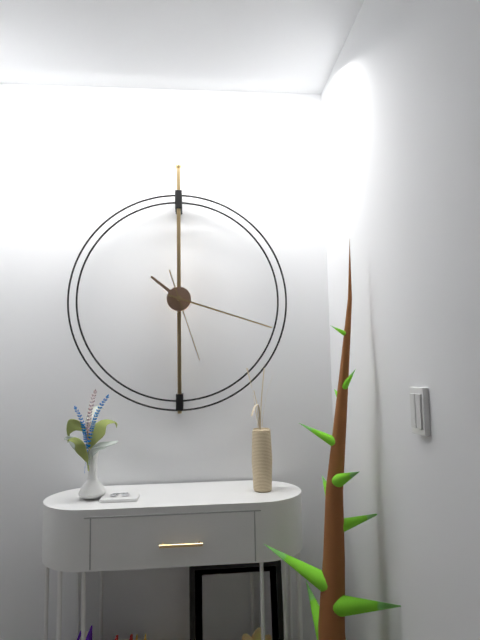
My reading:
**10:18:27**
